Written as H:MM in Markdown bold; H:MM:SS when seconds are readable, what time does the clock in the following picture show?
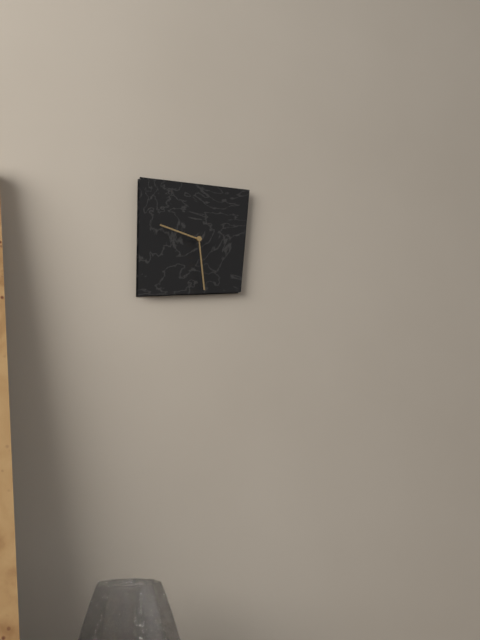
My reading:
**9:29**
